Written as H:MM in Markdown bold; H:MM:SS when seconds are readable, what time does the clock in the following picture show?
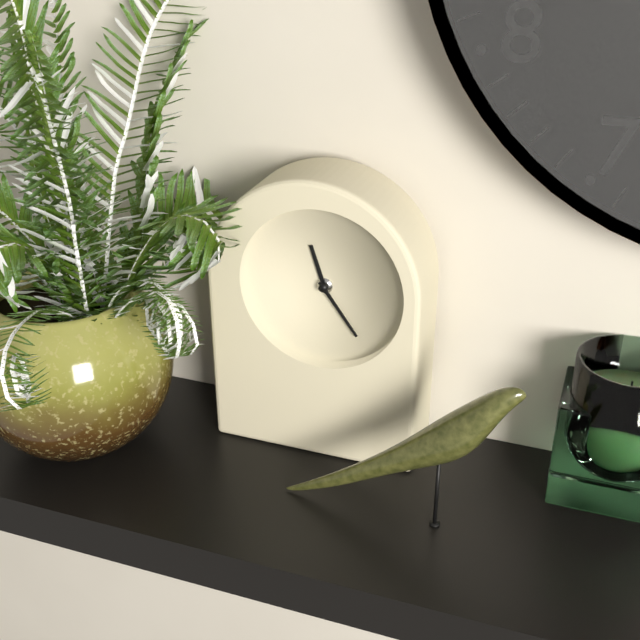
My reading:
**11:24**
